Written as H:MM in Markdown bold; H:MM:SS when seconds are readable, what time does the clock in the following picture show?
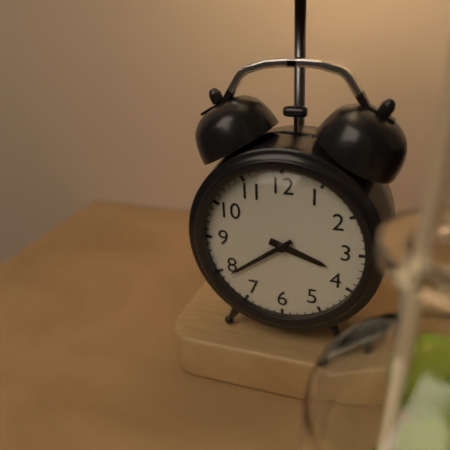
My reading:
**3:39**
